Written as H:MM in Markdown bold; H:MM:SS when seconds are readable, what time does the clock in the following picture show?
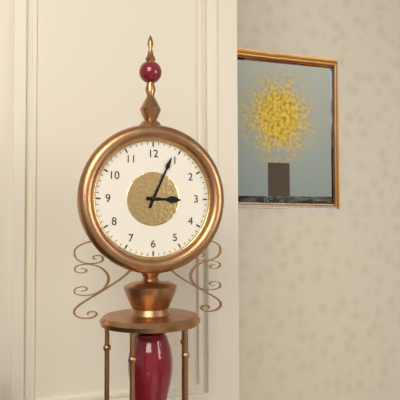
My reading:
**3:04**
